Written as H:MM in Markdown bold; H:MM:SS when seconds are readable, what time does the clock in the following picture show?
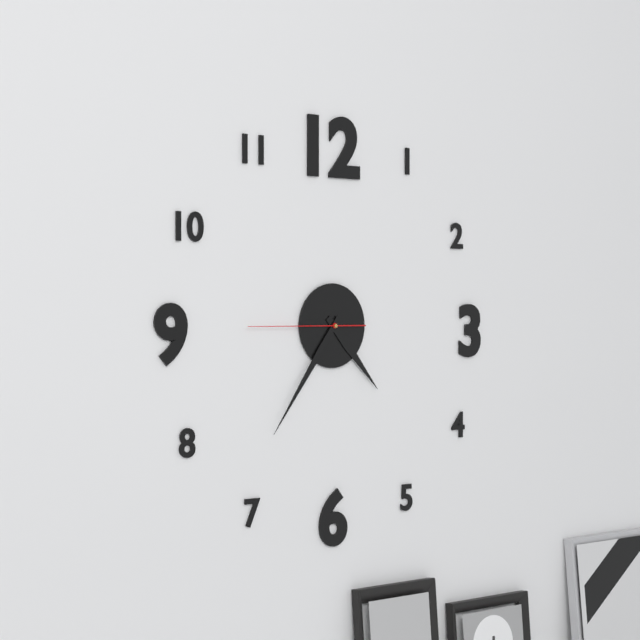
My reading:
**4:36:45**
